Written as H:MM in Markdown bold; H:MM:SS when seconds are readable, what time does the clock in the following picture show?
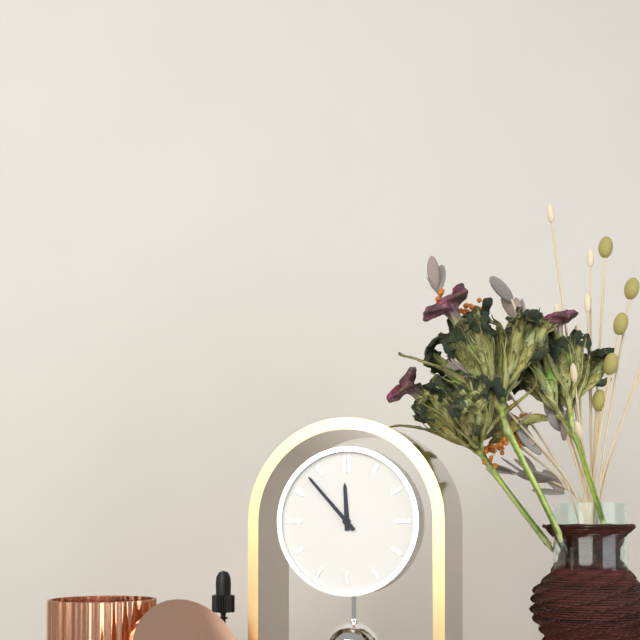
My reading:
**11:53**
